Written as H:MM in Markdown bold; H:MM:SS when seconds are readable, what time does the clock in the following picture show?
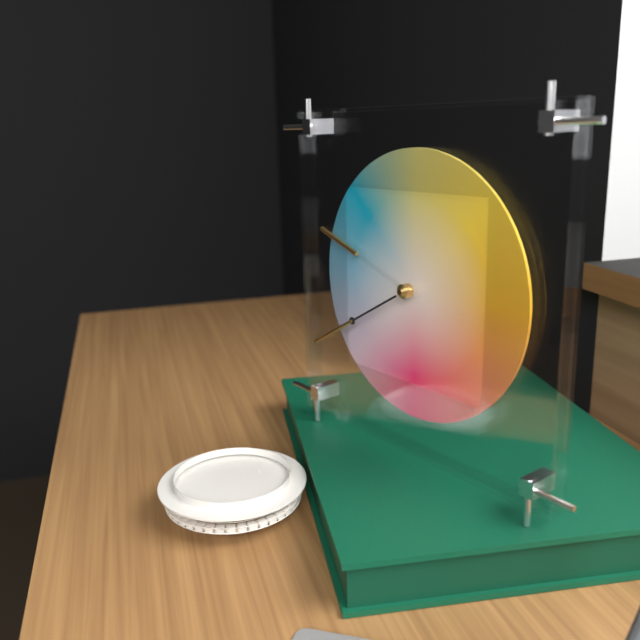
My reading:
**9:40**
